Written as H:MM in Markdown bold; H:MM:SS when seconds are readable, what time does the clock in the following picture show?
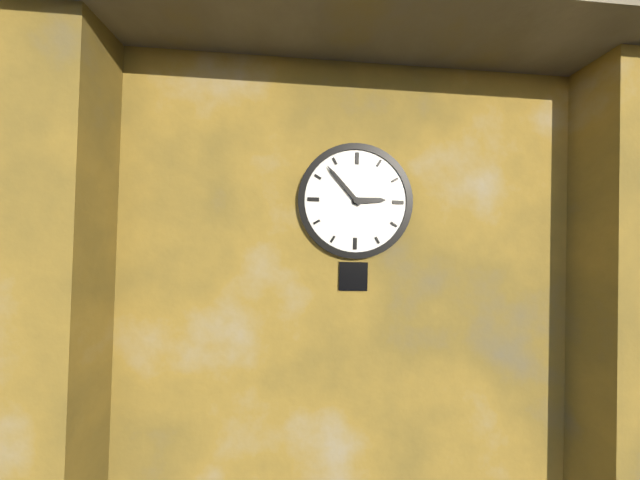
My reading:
**2:53**
